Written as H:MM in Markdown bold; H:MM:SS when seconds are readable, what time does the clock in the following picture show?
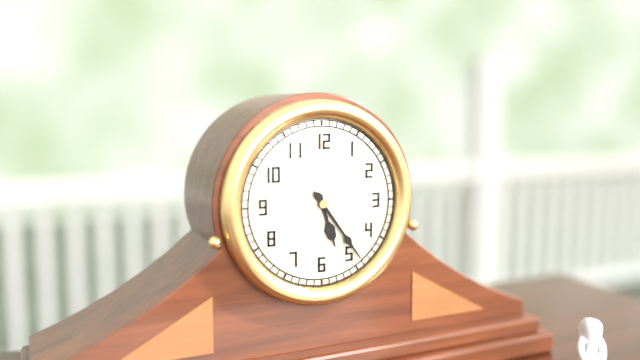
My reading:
**5:24**
